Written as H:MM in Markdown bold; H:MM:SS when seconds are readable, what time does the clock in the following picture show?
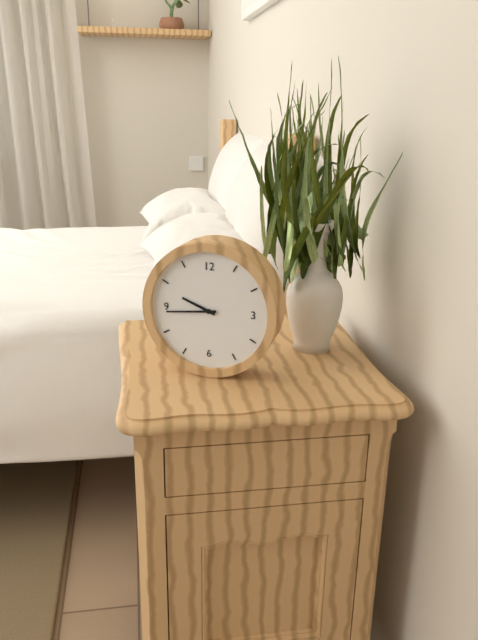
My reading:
**9:44**
